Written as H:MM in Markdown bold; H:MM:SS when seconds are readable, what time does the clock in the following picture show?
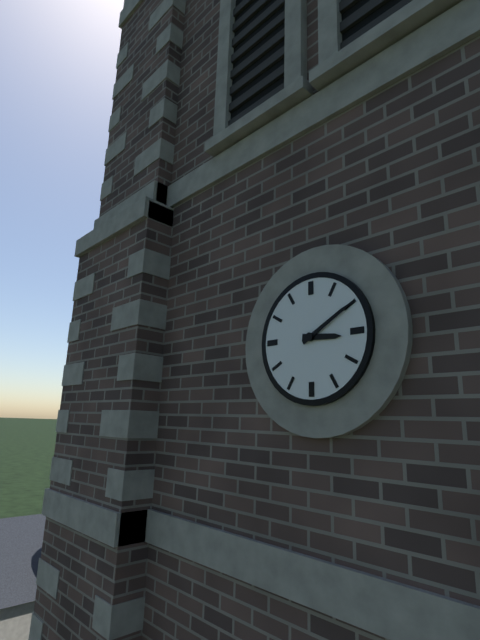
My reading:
**3:10**
